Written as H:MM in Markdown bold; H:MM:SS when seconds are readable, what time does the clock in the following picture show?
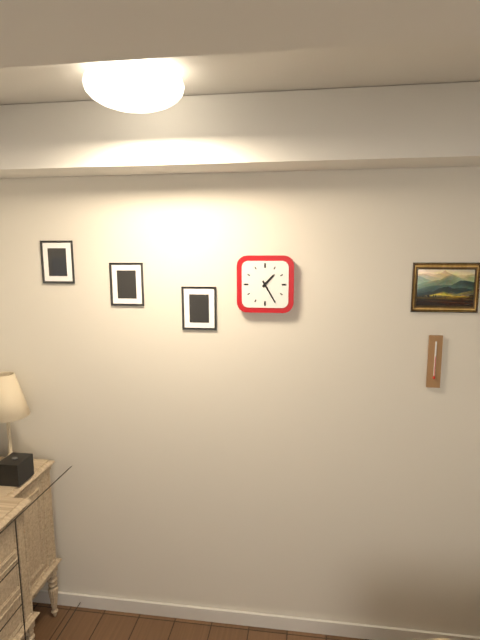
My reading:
**1:25**
